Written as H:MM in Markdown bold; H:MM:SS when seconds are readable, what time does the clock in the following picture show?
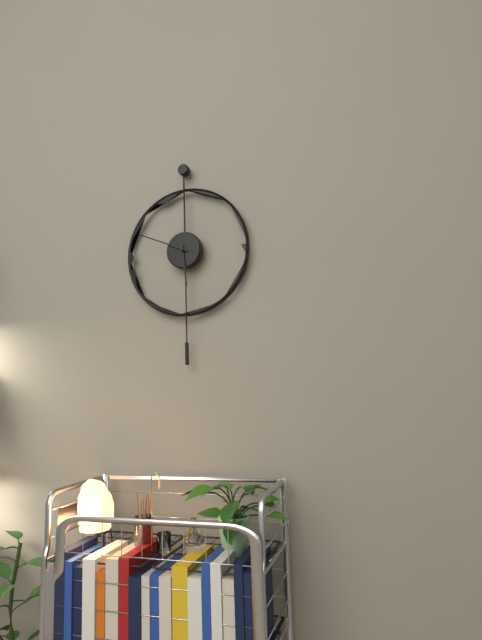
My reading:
**5:49**
